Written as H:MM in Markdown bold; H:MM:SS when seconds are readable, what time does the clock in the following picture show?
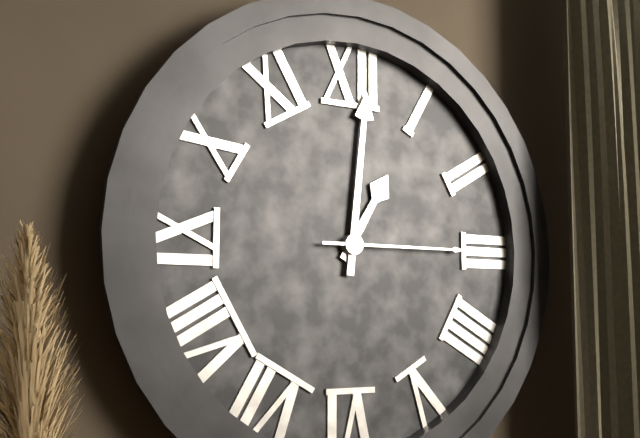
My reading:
**1:01:15**
